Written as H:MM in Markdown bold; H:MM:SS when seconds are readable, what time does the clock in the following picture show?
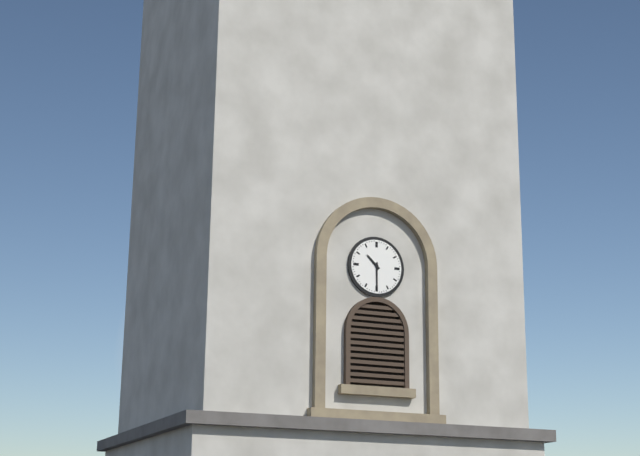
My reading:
**10:30**
